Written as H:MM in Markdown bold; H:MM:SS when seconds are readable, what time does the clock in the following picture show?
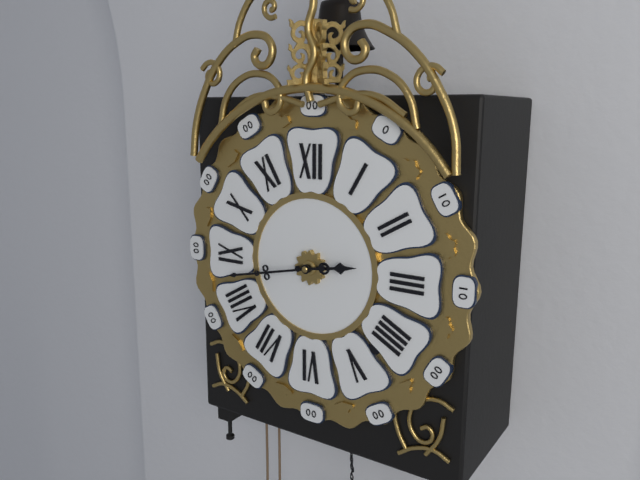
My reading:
**2:43**
